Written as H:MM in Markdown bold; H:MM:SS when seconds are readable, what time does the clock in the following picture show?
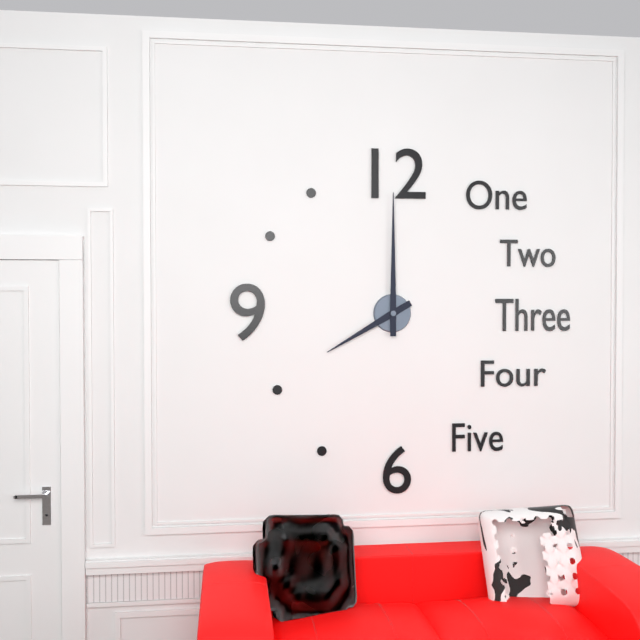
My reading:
**8:00**
